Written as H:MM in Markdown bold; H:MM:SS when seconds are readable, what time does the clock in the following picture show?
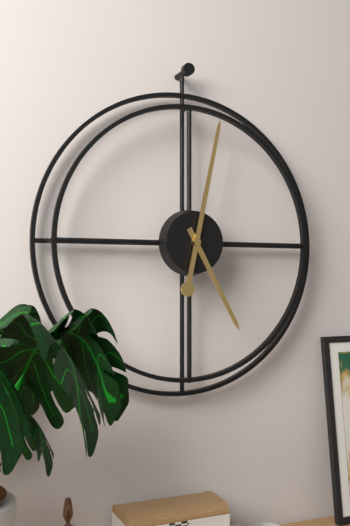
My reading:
**5:02**
